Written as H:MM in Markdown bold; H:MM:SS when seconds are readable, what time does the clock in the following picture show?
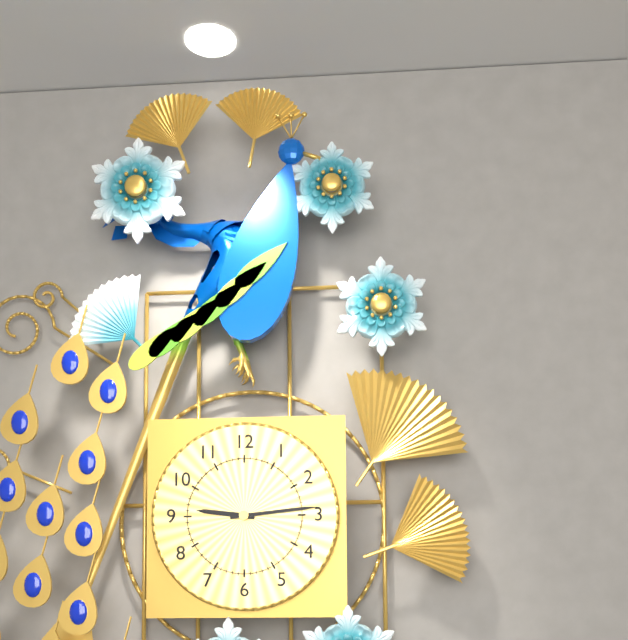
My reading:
**9:14**
